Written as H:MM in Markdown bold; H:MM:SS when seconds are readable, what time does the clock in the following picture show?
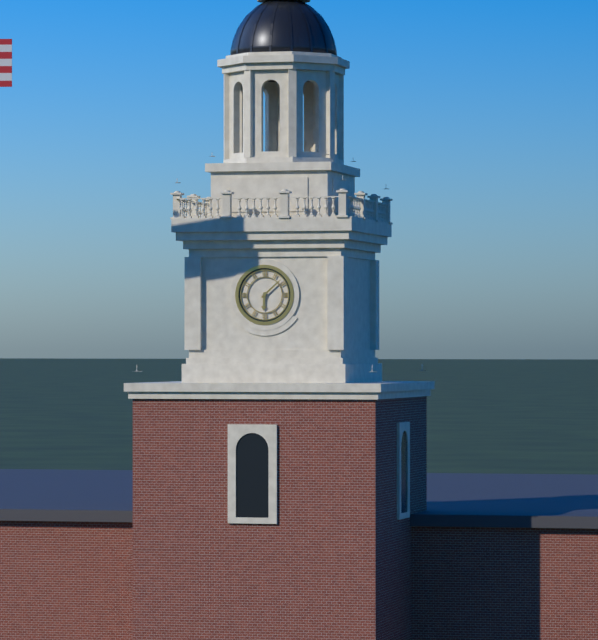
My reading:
**6:08**
